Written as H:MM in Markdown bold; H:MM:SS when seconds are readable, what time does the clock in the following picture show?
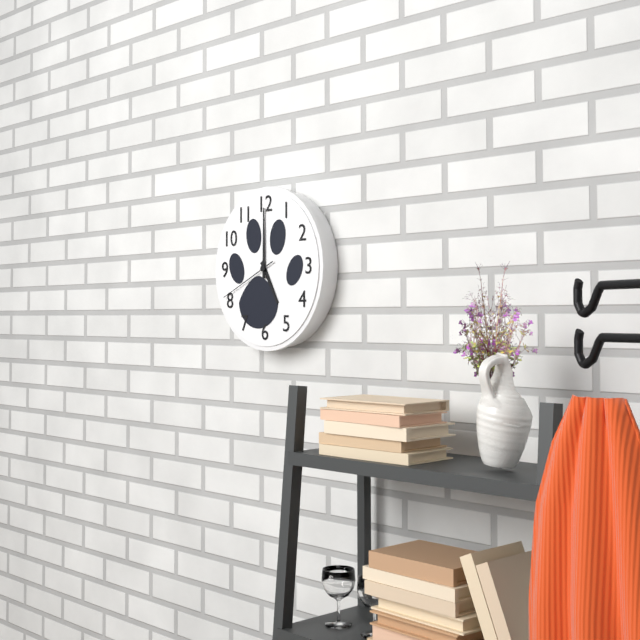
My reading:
**5:00:41**
